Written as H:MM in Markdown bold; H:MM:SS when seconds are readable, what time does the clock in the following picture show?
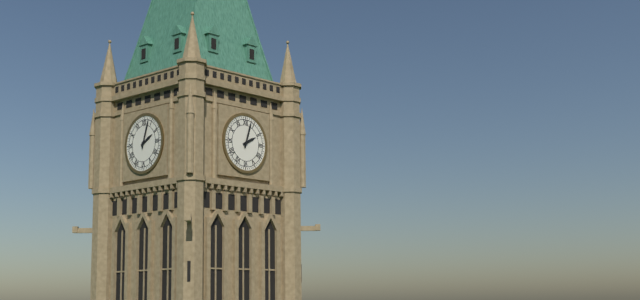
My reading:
**2:03**
